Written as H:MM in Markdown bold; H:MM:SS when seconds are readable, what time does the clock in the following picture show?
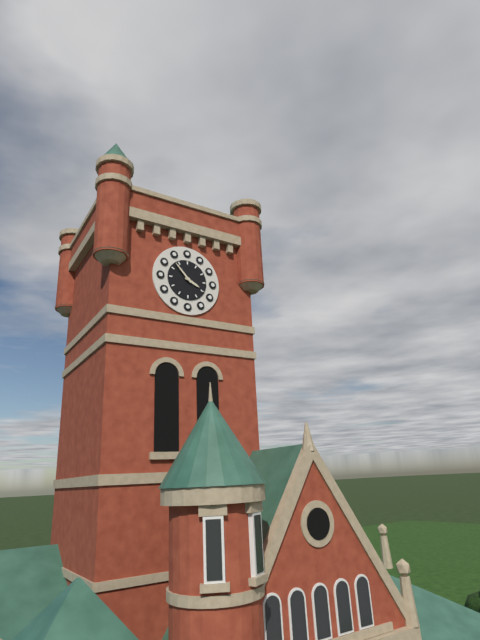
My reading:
**3:53**
